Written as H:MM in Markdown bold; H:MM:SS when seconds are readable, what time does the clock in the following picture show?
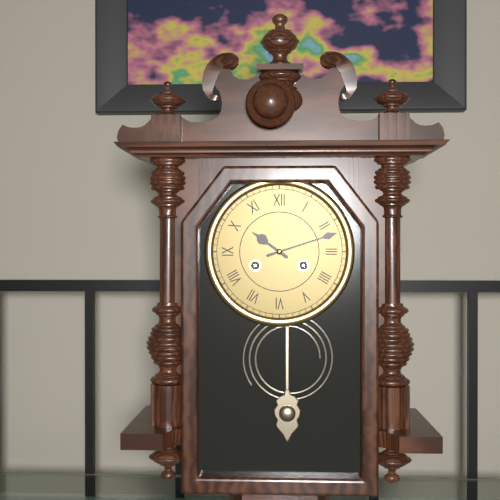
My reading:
**10:12**
